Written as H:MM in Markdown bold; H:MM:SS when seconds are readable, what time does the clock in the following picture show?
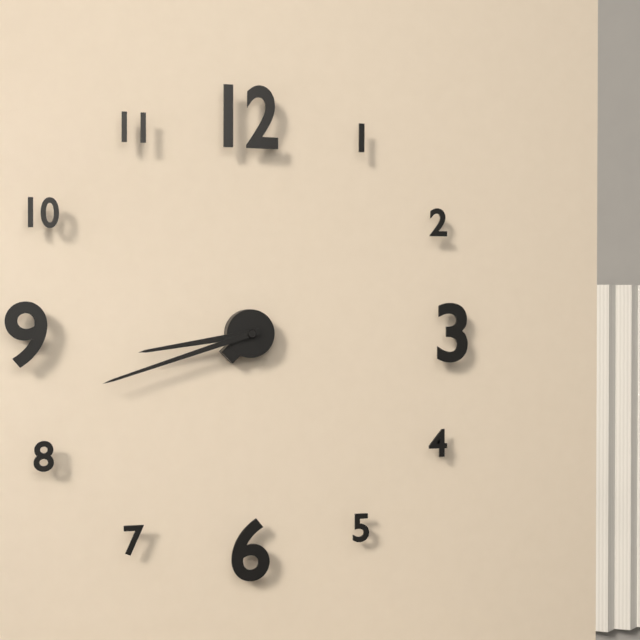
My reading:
**8:42**
